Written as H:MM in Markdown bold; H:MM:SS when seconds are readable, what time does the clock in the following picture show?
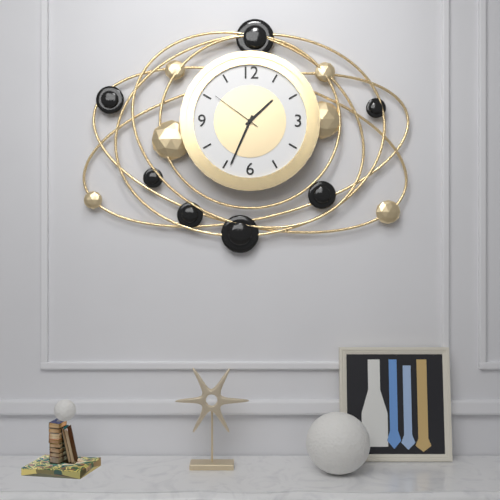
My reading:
**1:34:51**
